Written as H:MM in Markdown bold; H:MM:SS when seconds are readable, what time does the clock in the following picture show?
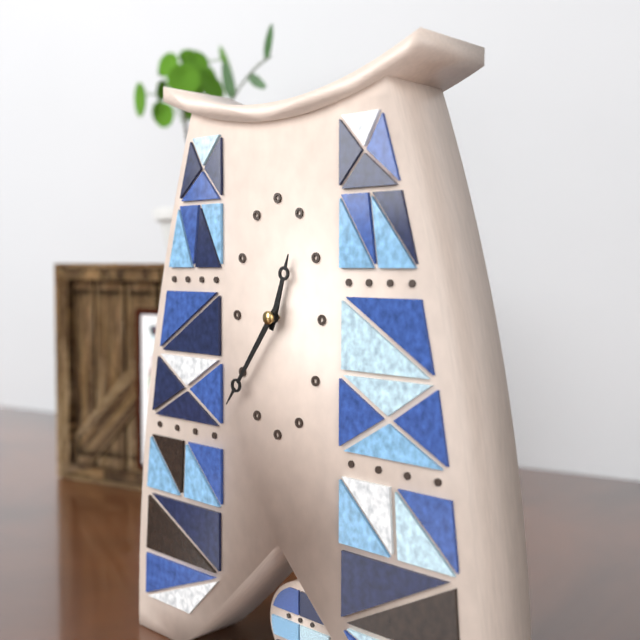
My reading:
**12:36**
